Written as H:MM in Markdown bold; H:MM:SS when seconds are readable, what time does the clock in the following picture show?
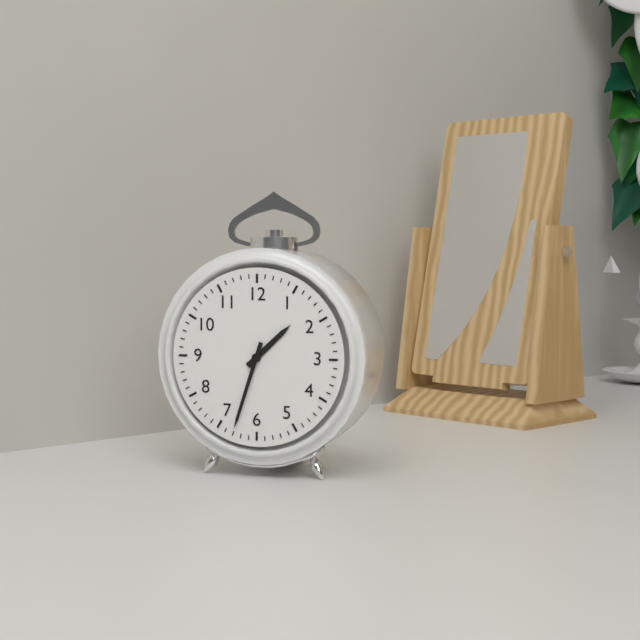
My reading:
**1:33**
